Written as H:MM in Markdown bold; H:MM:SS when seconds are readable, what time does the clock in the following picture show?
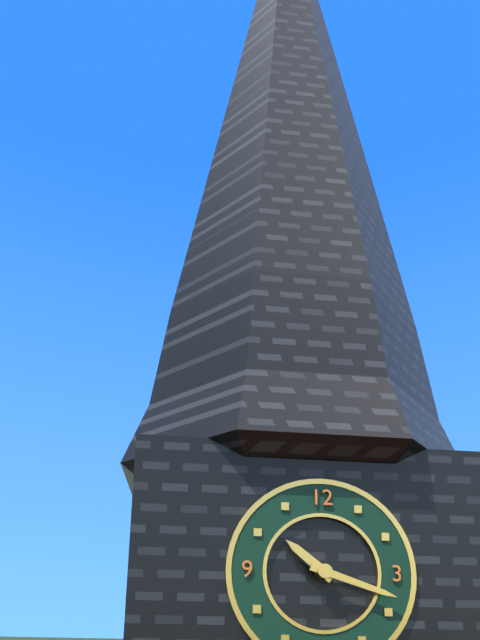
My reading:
**10:18**
